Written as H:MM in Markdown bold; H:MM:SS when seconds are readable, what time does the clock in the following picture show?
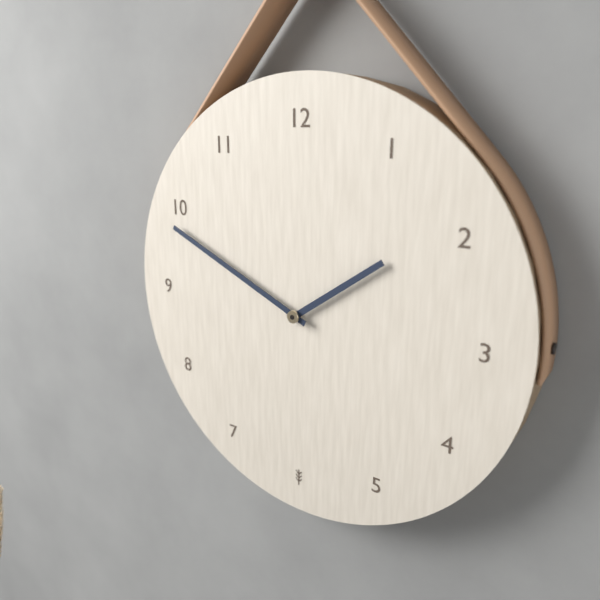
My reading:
**1:49**
